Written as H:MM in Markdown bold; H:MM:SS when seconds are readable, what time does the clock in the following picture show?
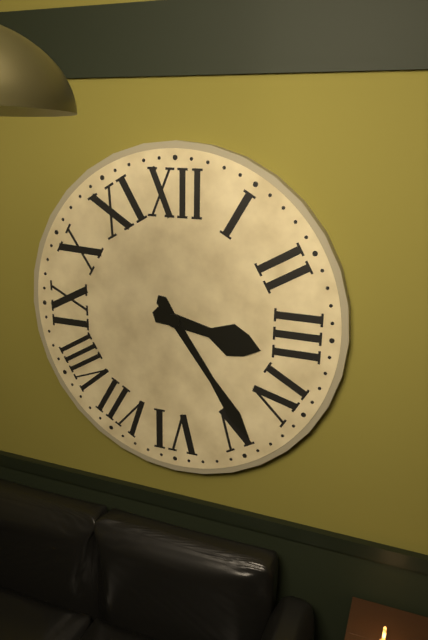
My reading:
**3:24**
